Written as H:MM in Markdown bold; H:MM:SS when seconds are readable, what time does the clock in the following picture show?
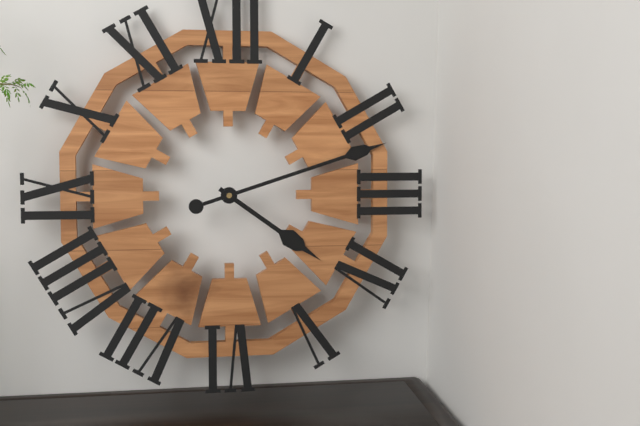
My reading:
**4:12**
